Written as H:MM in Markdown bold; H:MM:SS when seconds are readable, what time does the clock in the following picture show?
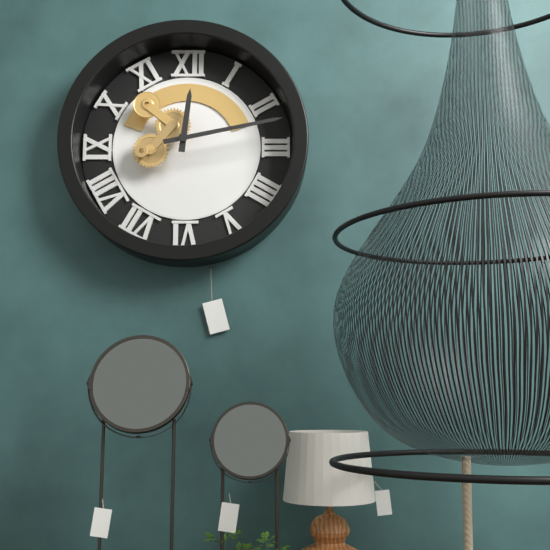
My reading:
**12:13**
